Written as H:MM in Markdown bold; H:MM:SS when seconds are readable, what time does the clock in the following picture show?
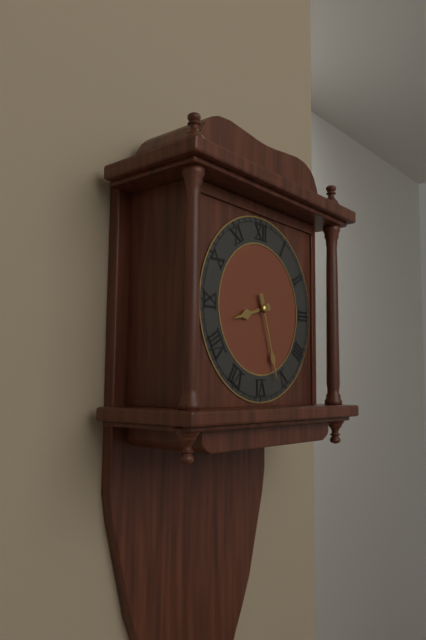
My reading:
**8:27**
